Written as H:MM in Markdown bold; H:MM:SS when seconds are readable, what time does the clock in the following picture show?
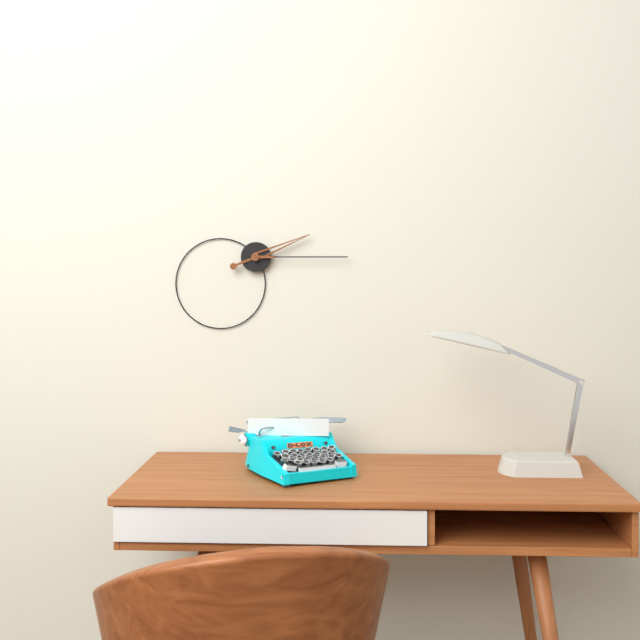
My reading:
**2:15**
